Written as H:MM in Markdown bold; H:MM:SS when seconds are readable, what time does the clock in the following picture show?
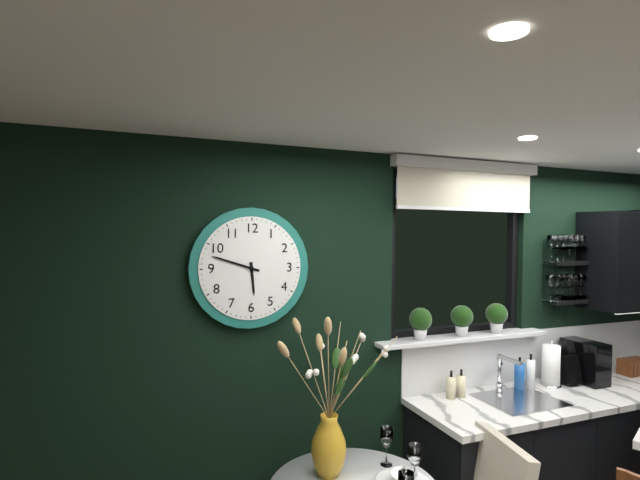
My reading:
**5:48**
